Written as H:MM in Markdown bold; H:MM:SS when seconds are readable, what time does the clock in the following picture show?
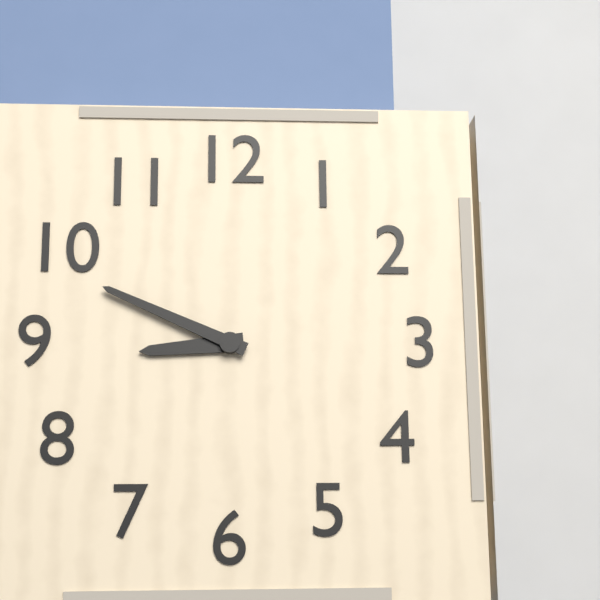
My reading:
**8:49**
